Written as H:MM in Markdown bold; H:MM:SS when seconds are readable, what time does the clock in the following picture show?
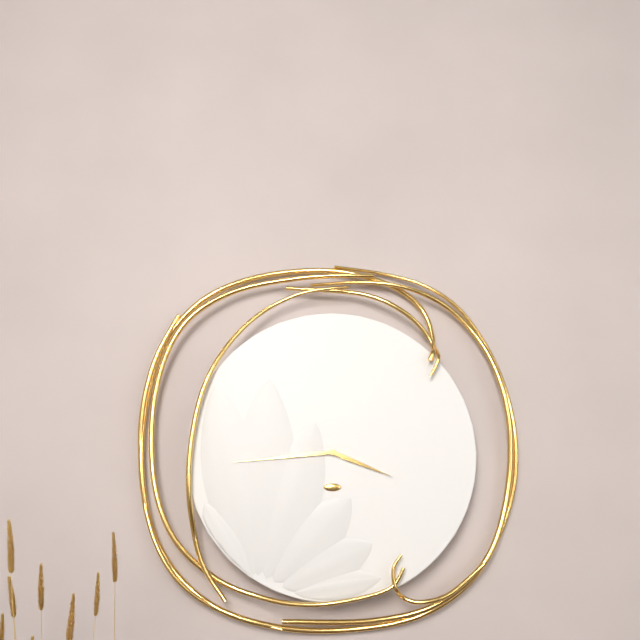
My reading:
**3:44**
